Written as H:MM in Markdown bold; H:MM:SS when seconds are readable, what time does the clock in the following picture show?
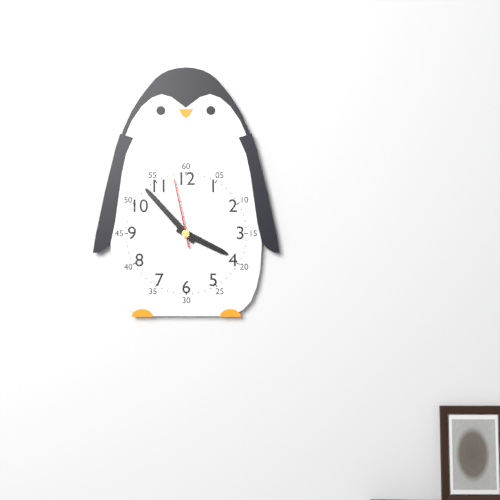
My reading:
**3:53:58**
